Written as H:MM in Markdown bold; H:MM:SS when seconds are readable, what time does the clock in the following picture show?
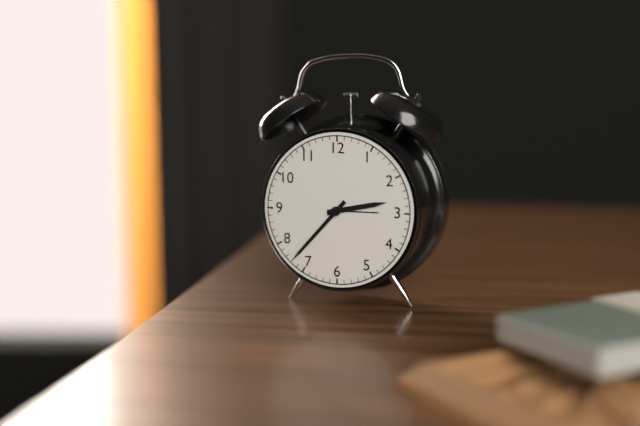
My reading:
**2:37**
